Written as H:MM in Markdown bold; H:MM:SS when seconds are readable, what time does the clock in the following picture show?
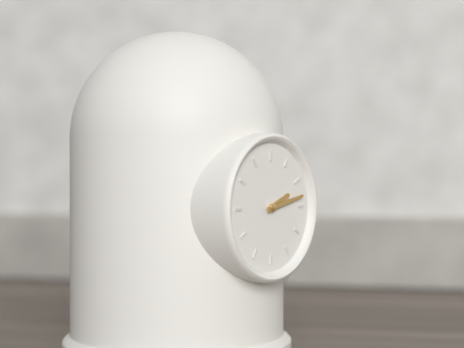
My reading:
**2:13**
